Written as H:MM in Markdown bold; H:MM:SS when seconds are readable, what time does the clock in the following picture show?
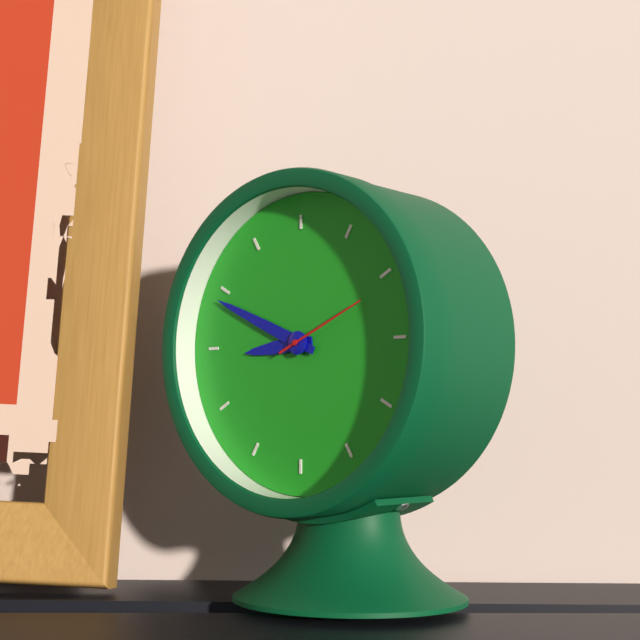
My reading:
**8:49:11**
